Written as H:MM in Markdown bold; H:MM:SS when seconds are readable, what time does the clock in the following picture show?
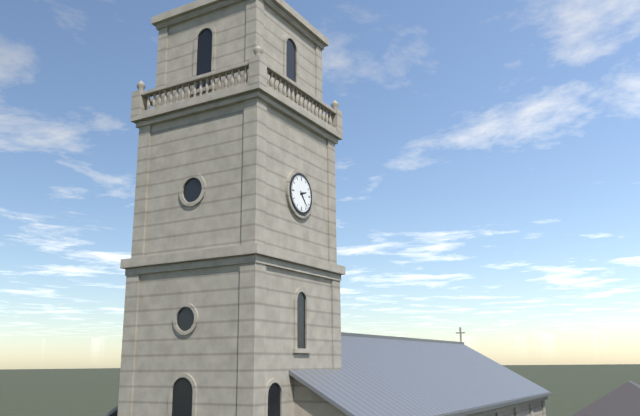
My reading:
**2:23**
